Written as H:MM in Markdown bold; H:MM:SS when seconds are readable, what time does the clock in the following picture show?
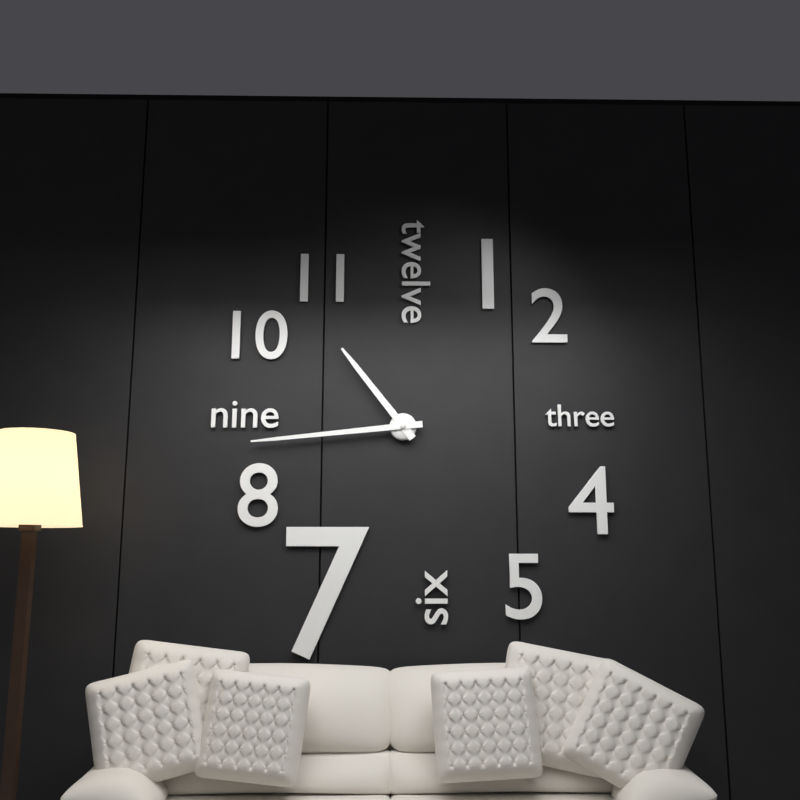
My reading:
**10:44**
